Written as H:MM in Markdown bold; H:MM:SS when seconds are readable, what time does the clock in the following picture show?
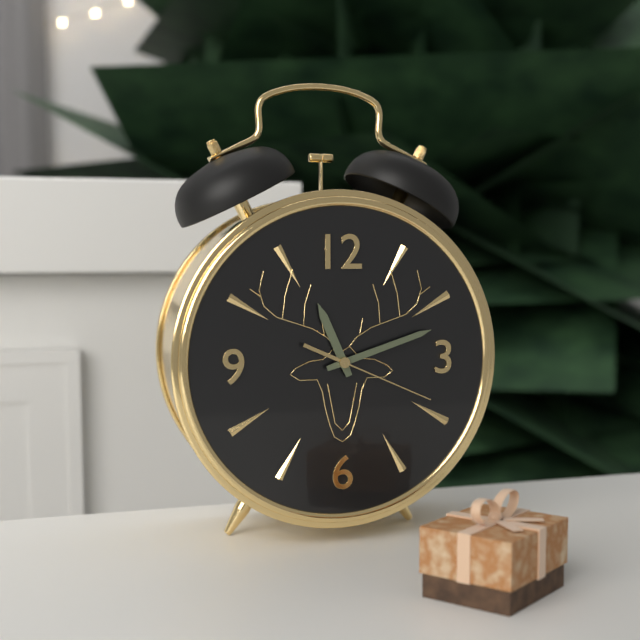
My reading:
**11:12:19**
